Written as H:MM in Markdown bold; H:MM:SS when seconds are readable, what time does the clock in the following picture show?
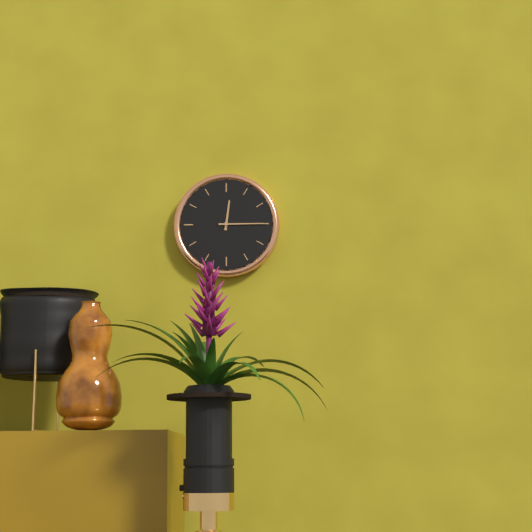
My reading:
**12:15**
